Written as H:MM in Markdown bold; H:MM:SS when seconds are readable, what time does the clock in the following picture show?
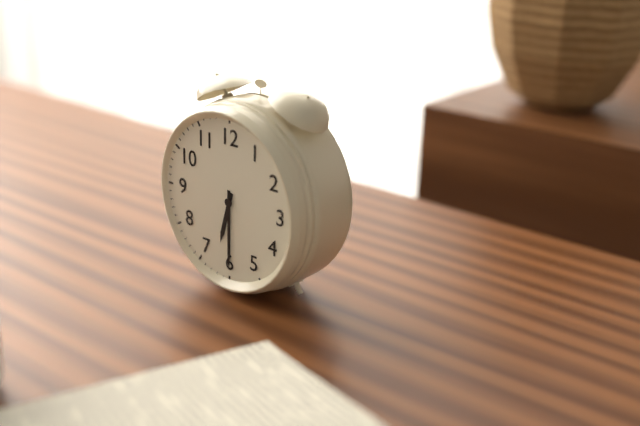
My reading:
**6:30**
